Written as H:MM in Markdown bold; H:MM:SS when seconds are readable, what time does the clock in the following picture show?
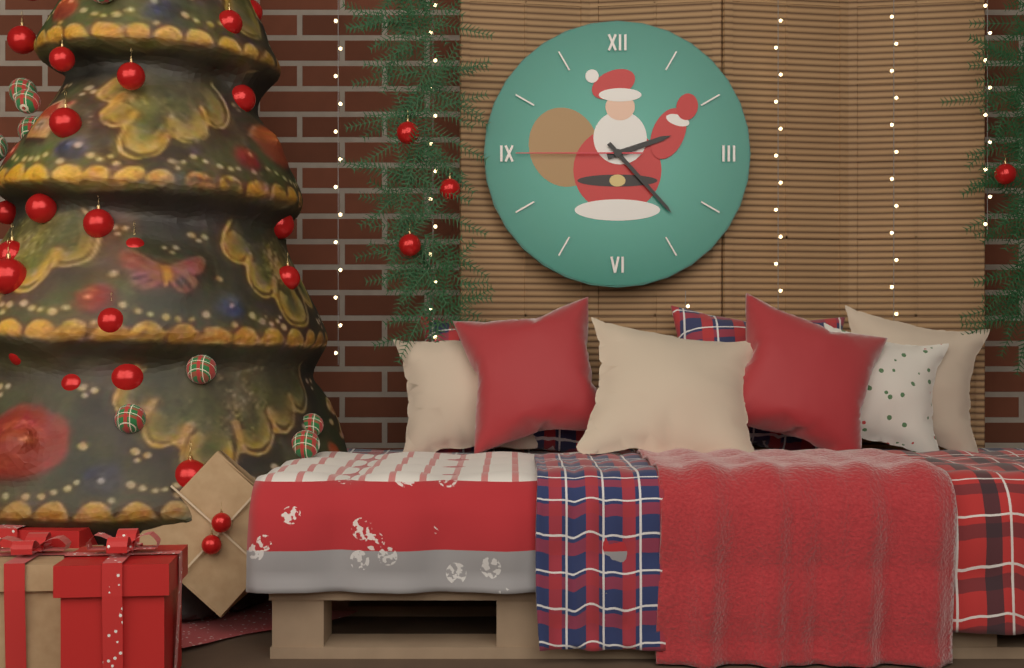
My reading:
**2:23:45**
